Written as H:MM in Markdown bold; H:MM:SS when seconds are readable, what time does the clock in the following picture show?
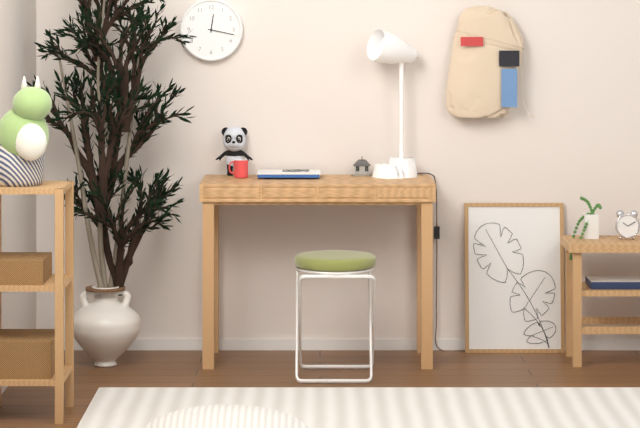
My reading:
**12:17**
